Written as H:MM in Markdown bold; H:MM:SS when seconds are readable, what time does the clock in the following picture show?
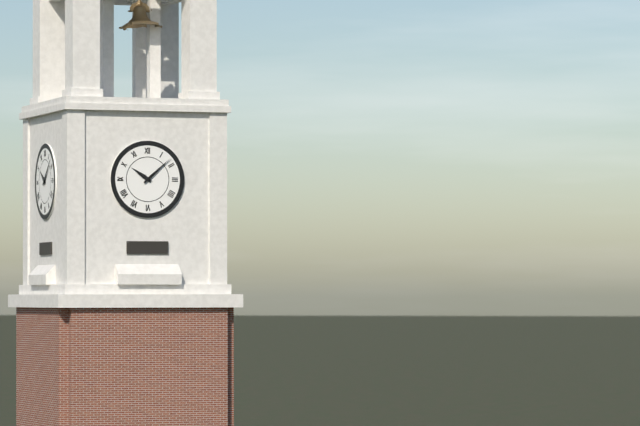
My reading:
**10:08**
